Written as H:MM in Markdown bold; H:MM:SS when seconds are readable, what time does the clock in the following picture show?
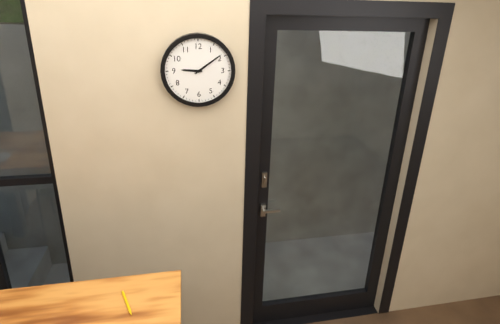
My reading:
**9:09**
